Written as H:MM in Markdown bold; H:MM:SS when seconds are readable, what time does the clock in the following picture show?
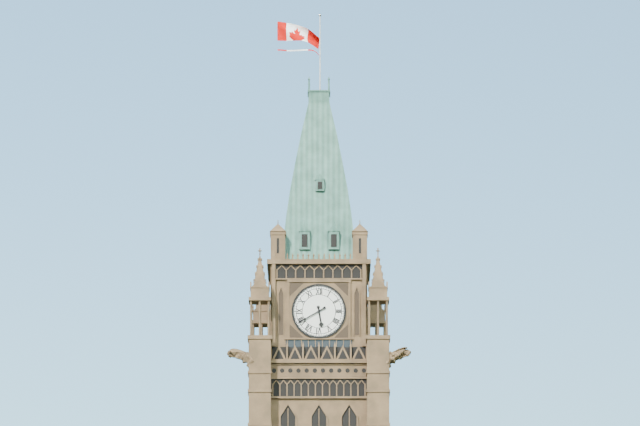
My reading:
**5:40**
